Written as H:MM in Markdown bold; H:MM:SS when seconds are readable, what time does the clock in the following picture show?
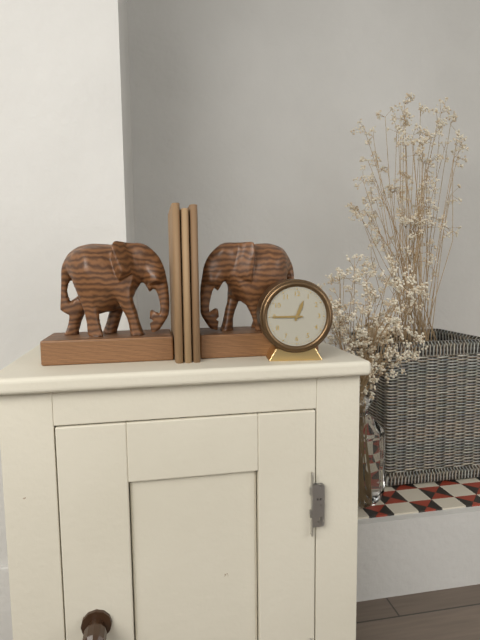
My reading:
**12:45**
